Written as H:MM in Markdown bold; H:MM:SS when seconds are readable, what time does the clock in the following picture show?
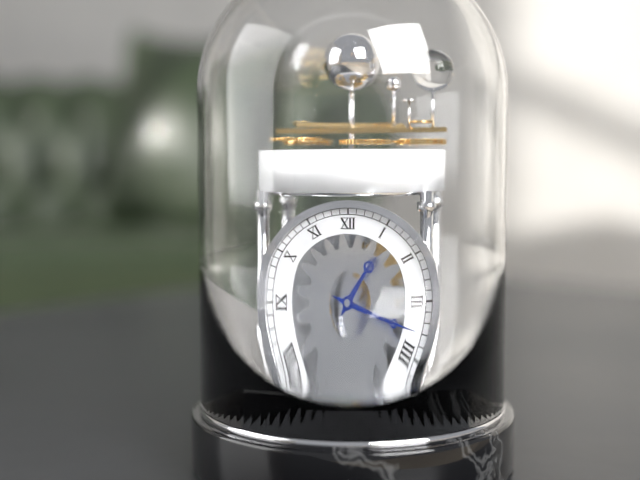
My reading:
**1:18**
